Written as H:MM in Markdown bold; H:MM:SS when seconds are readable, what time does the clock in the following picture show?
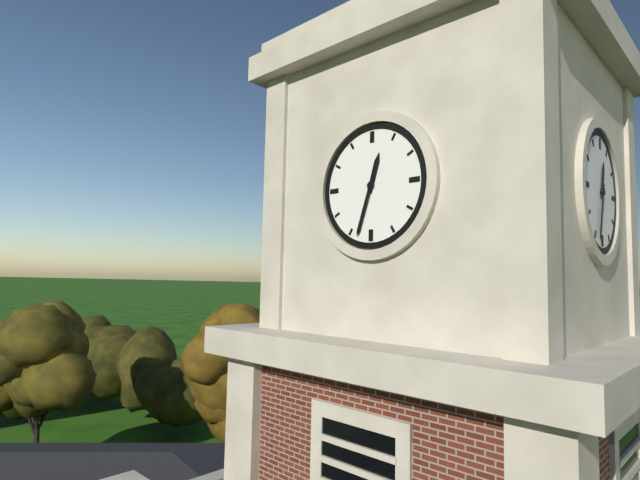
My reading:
**12:33**
